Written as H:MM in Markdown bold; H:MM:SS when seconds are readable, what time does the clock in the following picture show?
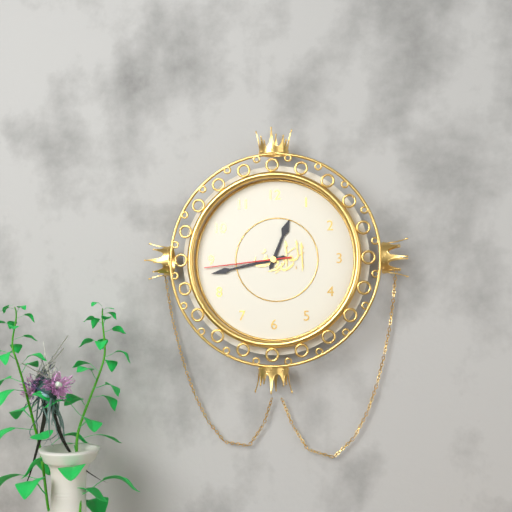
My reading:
**12:43:44**
